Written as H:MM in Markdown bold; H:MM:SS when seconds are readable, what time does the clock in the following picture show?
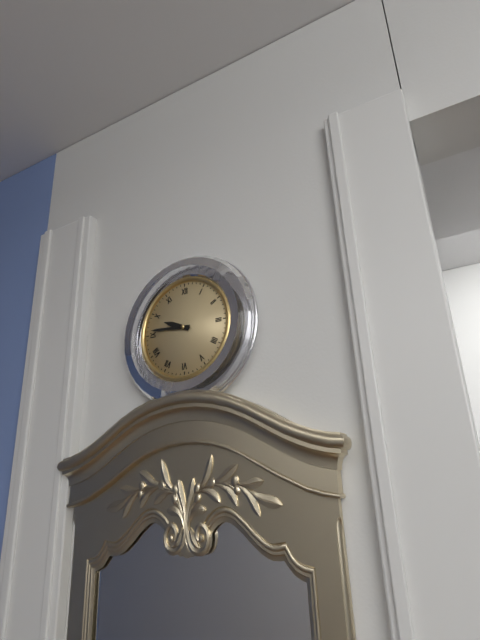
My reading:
**9:46**
